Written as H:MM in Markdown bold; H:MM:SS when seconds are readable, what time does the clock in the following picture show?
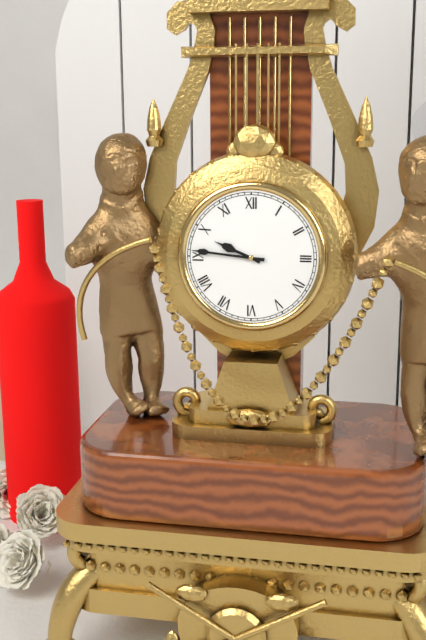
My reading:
**9:46**
